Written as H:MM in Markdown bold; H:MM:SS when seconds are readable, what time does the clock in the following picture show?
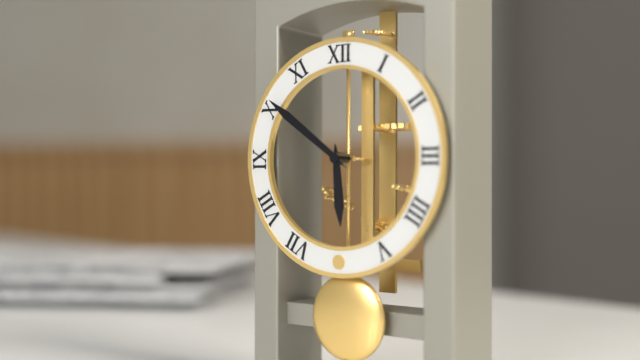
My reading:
**5:51**
